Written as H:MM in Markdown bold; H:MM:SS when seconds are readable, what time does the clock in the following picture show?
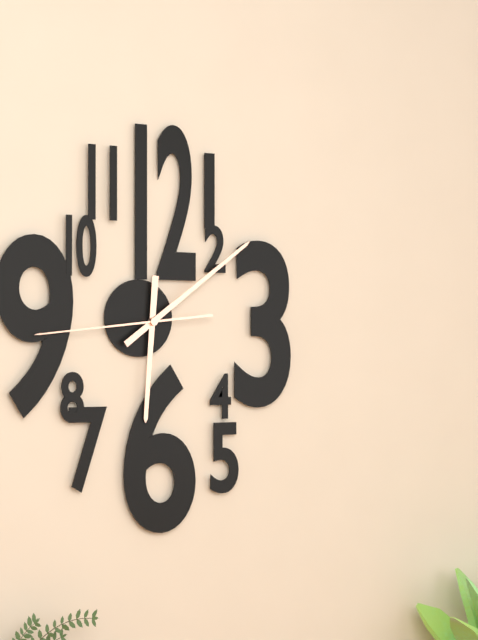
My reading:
**6:09:44**
